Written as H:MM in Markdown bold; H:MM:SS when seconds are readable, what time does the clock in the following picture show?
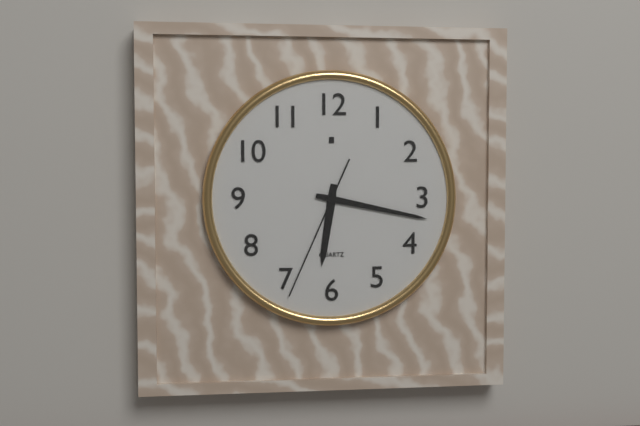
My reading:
**6:17:34**
